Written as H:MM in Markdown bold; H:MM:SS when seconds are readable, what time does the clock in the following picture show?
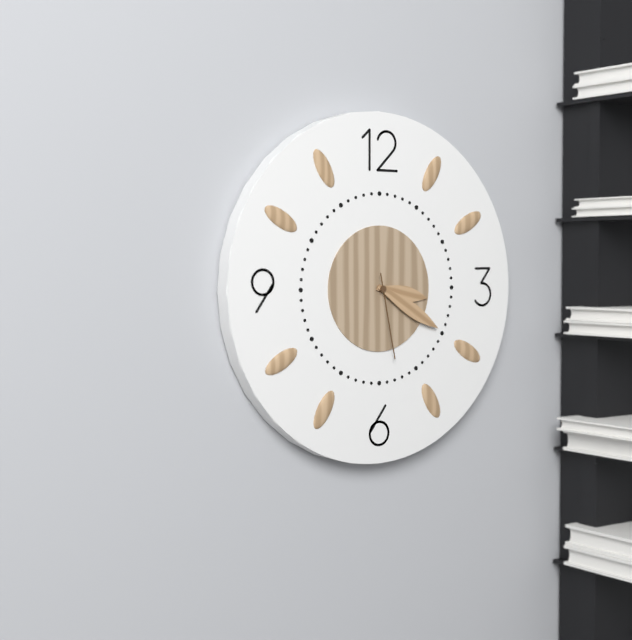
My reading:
**3:20:28**
